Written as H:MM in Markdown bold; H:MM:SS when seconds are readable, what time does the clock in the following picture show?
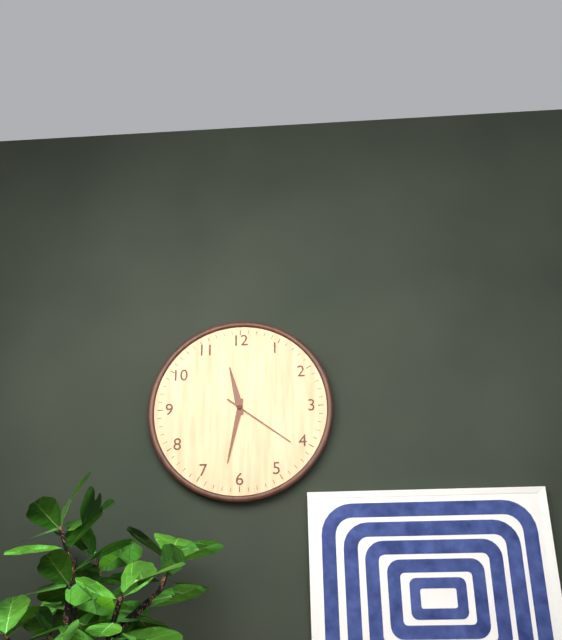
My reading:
**11:32:21**
